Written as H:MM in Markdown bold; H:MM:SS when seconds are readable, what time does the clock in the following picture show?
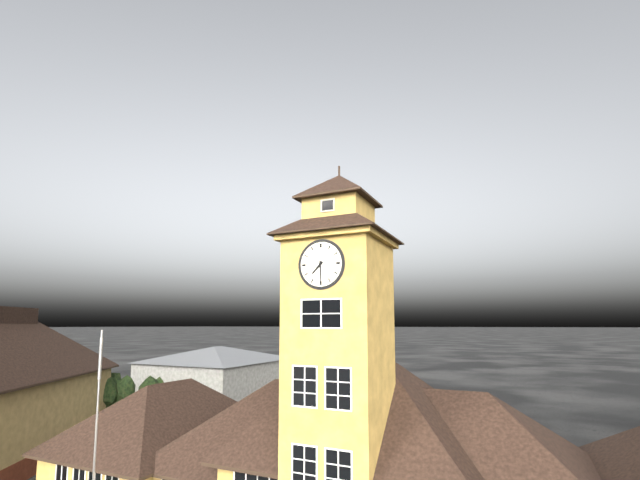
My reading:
**7:30**
